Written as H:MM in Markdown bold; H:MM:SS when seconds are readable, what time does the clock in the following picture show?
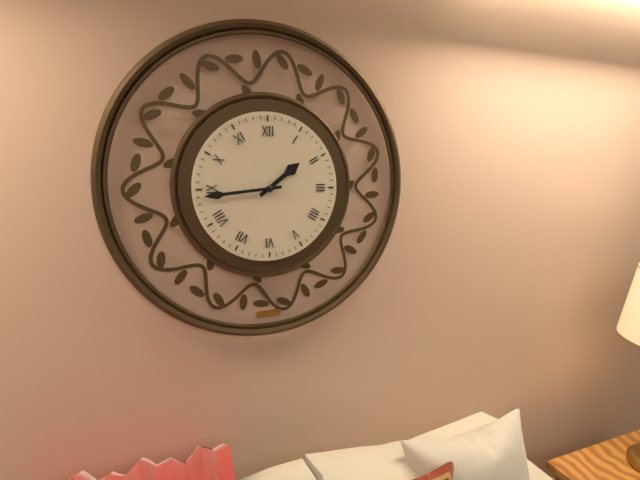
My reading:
**1:44**
